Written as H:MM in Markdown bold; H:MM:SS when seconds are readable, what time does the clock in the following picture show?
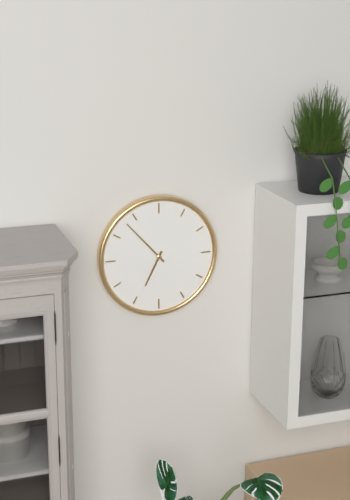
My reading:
**6:53**
